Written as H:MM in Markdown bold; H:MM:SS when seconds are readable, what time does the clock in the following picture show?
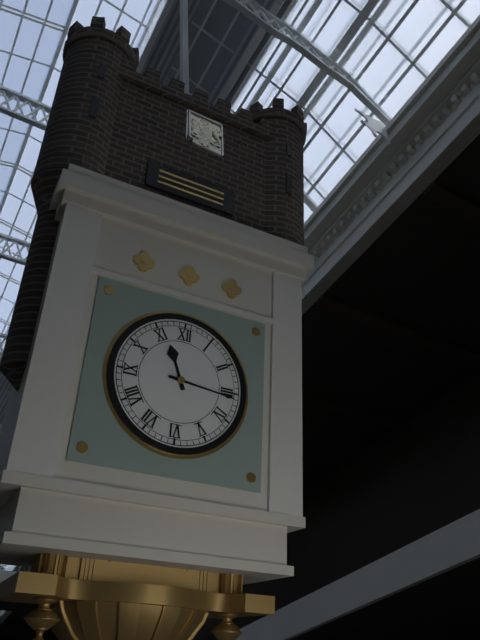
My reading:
**11:16**
